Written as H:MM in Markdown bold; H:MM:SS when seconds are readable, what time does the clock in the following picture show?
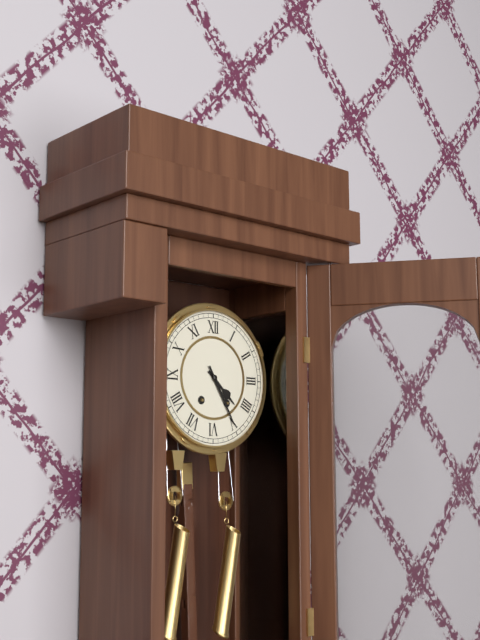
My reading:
**4:25**
